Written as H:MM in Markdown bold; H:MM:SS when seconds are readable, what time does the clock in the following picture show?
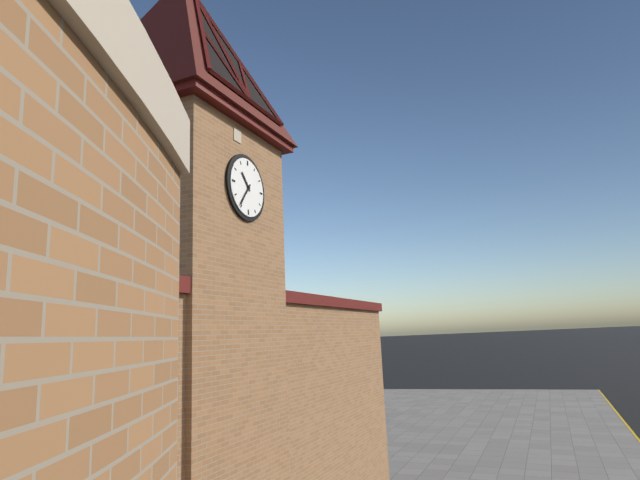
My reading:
**10:36**
